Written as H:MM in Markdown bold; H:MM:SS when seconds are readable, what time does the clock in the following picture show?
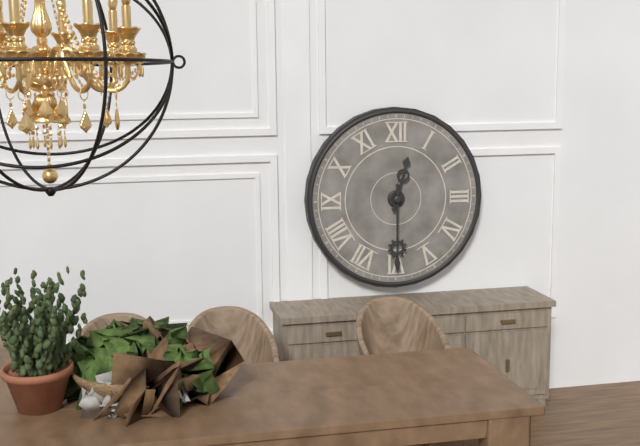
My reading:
**12:30**
